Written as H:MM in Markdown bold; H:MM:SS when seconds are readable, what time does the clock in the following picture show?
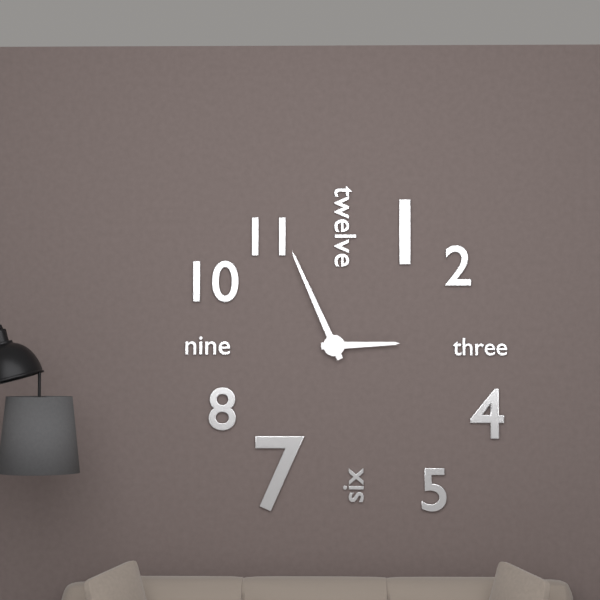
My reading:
**2:56**
